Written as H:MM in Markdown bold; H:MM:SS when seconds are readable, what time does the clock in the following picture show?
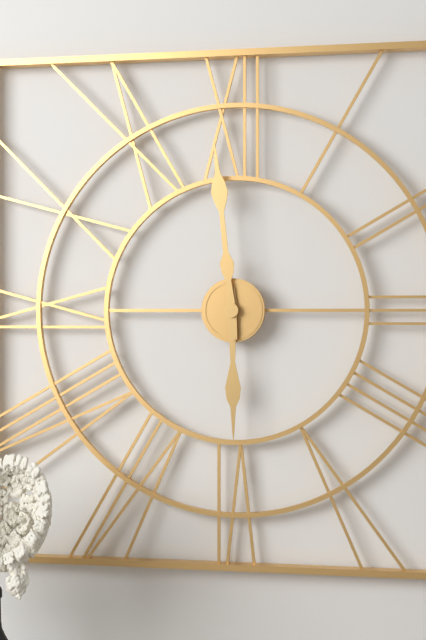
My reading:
**5:59**
